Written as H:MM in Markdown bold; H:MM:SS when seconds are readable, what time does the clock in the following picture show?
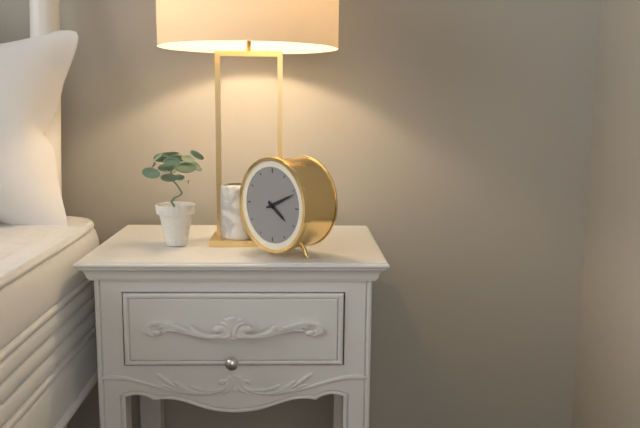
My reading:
**4:11**
